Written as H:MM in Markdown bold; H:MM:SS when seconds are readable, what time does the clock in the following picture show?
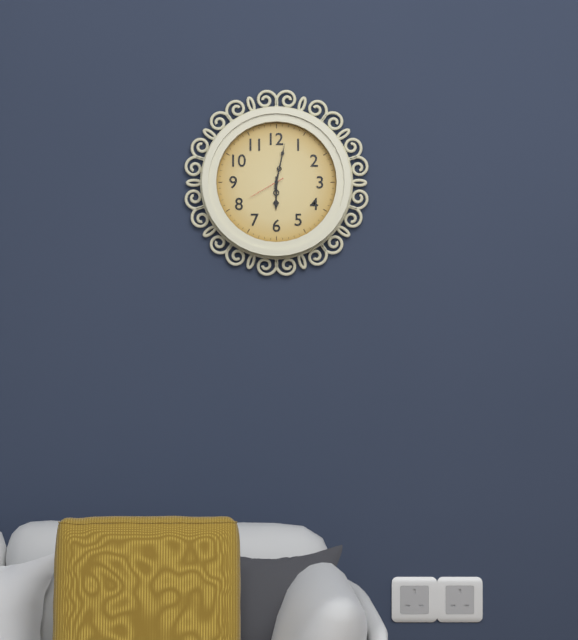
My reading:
**6:02**
